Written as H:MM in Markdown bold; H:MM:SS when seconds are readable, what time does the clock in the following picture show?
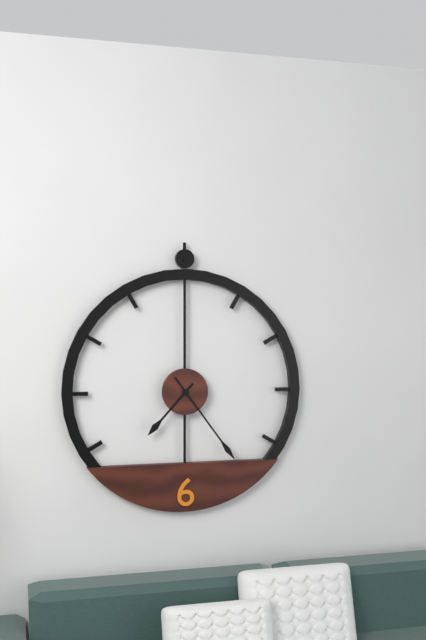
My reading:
**7:24**
